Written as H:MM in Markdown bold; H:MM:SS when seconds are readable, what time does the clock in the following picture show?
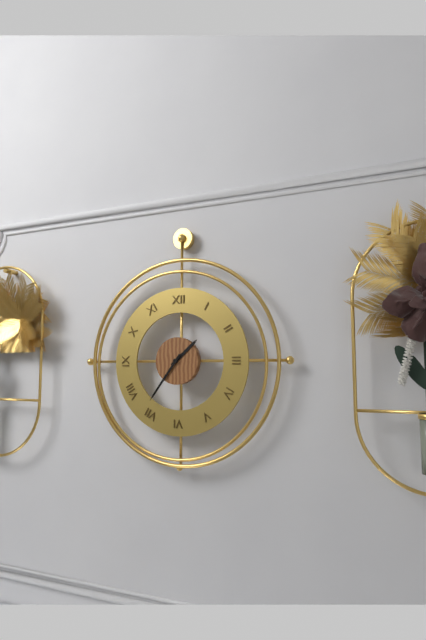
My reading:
**1:36**
